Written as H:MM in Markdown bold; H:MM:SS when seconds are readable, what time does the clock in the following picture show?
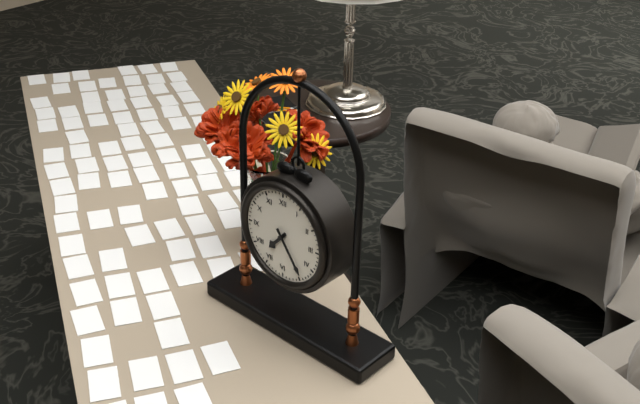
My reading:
**7:24**
